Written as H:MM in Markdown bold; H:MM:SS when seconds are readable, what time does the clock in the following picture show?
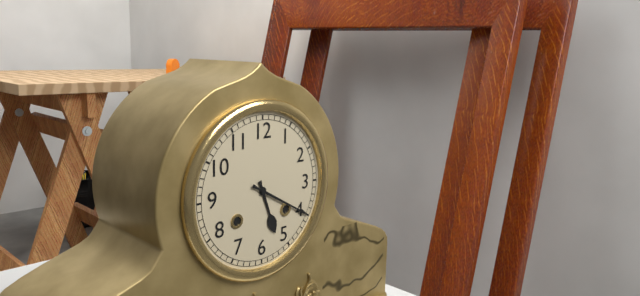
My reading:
**5:20**
